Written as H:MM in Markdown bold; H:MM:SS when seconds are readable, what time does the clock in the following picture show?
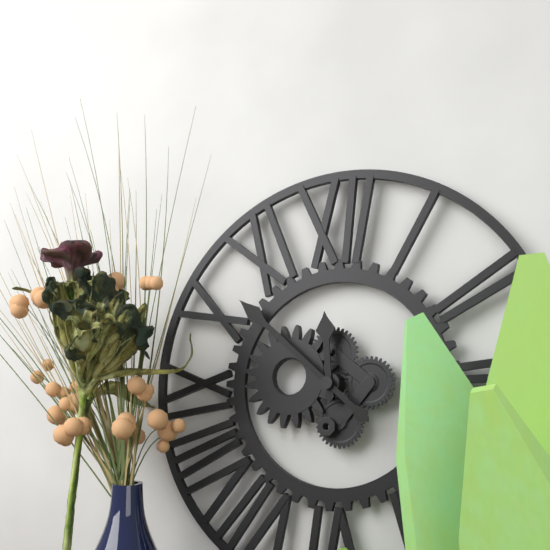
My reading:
**11:52**
